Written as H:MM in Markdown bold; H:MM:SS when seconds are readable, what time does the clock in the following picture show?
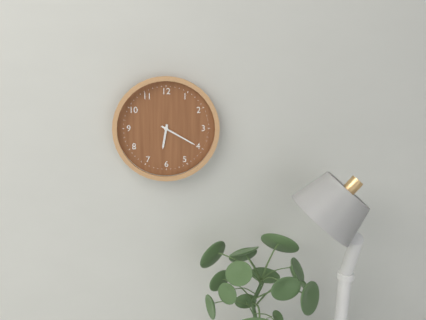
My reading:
**6:20**
